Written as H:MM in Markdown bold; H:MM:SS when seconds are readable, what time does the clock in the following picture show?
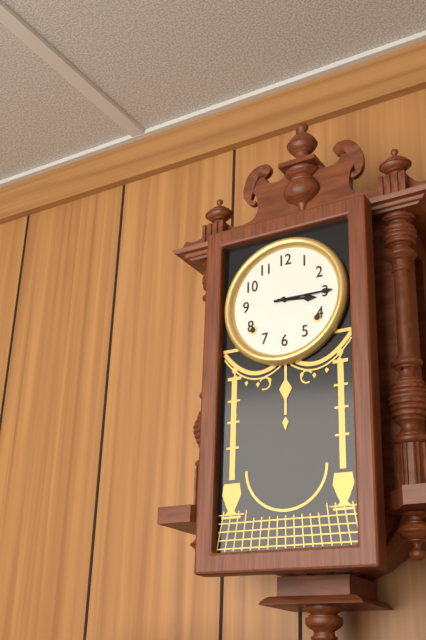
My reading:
**3:15**
